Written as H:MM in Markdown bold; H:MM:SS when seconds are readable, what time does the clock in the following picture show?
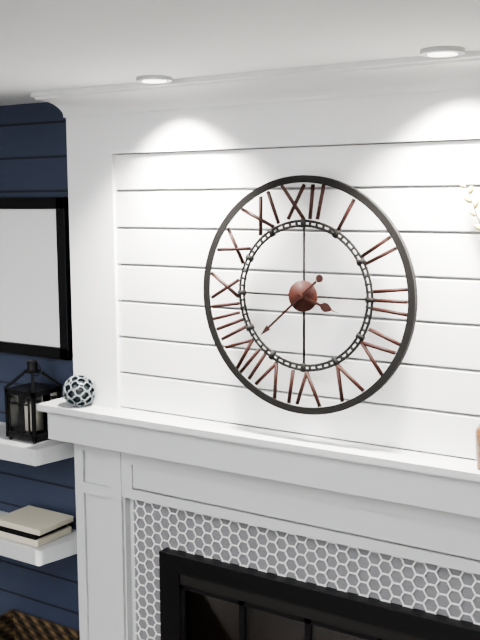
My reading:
**3:38**
